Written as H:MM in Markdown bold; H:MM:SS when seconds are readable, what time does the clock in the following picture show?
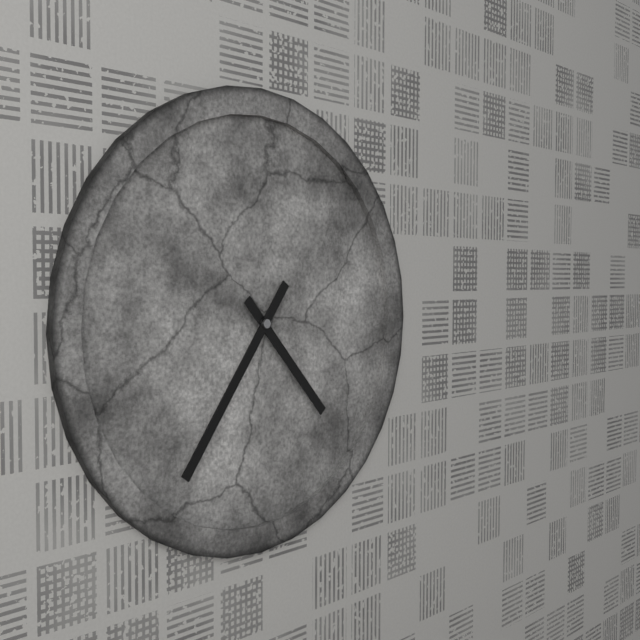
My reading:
**4:36**
